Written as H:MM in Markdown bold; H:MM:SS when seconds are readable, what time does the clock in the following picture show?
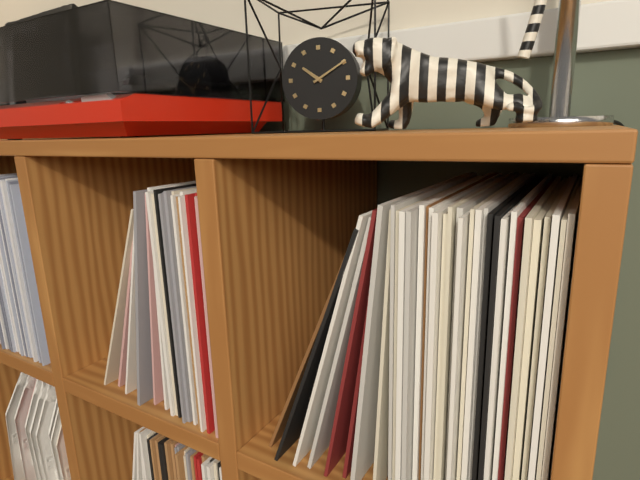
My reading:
**10:10**
